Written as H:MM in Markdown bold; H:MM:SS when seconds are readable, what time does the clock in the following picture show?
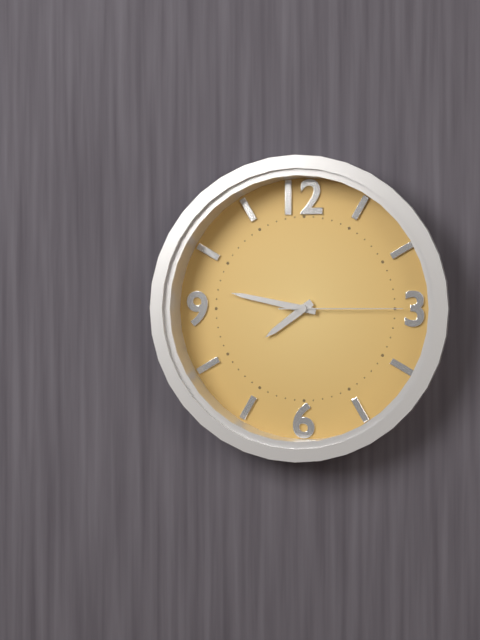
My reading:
**7:47:15**
